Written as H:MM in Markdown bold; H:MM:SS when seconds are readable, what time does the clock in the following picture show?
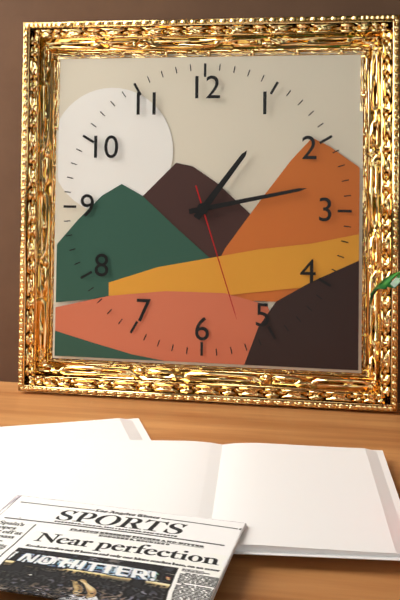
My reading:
**1:13:27**
